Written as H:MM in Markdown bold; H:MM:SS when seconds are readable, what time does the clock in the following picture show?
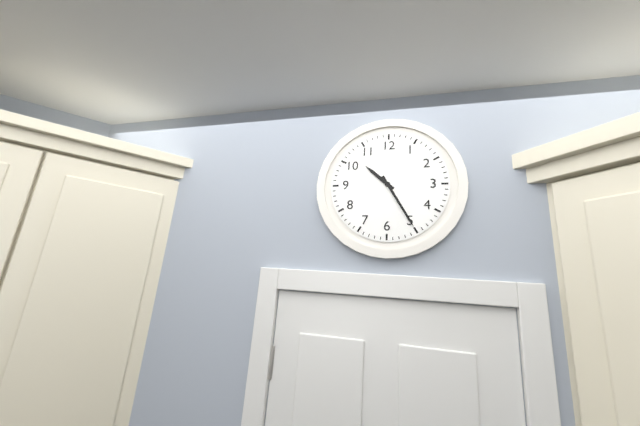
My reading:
**10:25**
